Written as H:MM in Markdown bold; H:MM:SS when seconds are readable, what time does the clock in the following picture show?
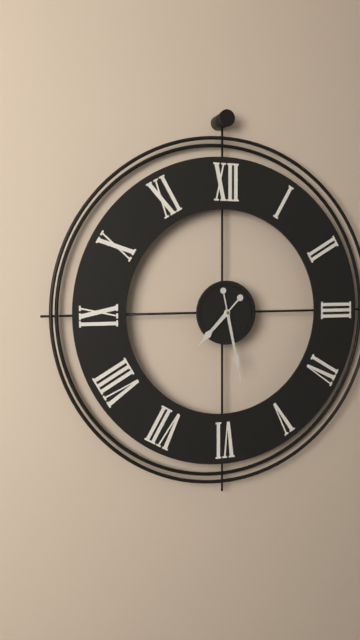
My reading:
**7:28**
